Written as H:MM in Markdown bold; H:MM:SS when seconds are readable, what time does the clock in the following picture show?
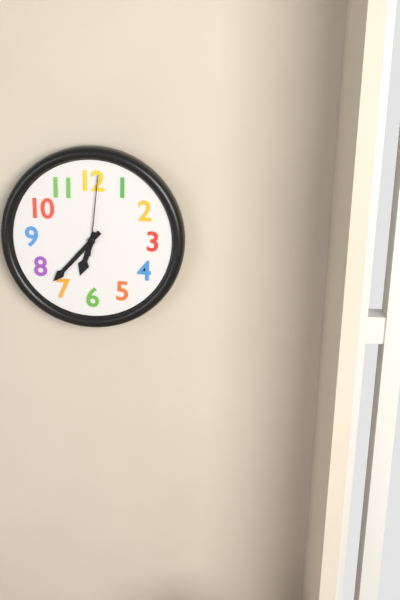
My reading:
**6:37:01**
